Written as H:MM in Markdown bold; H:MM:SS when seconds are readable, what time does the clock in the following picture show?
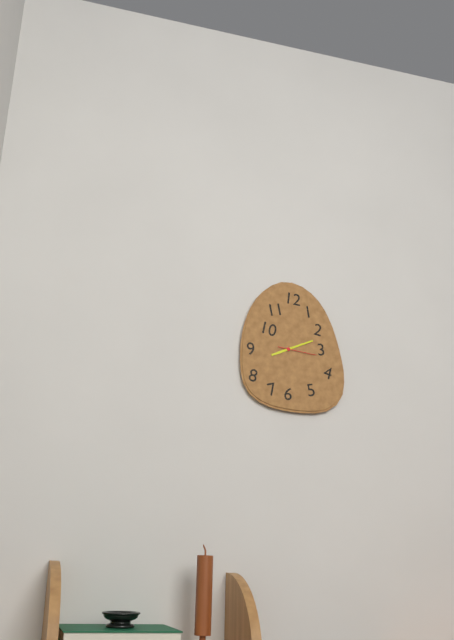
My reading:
**8:11**
